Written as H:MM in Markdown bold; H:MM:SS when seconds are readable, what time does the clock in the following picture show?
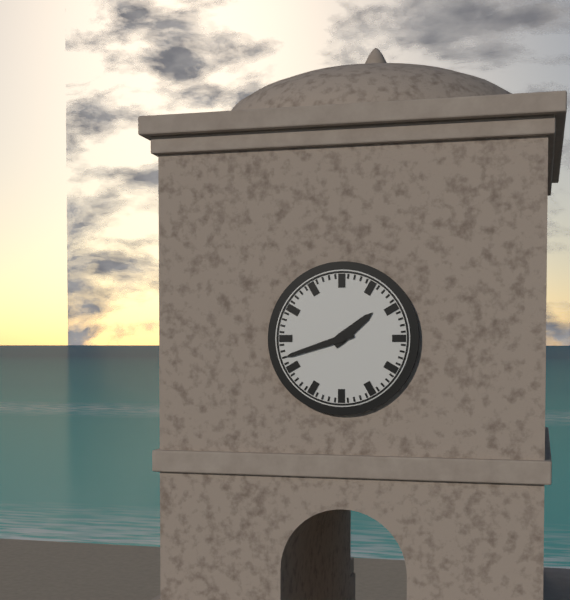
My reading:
**1:42**
